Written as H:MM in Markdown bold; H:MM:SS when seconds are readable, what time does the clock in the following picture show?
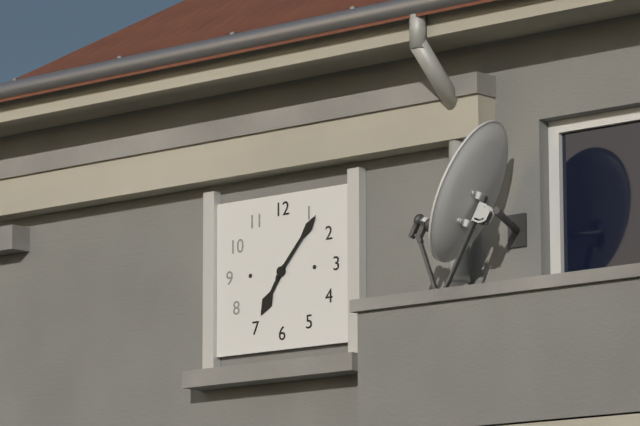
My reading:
**7:07**
